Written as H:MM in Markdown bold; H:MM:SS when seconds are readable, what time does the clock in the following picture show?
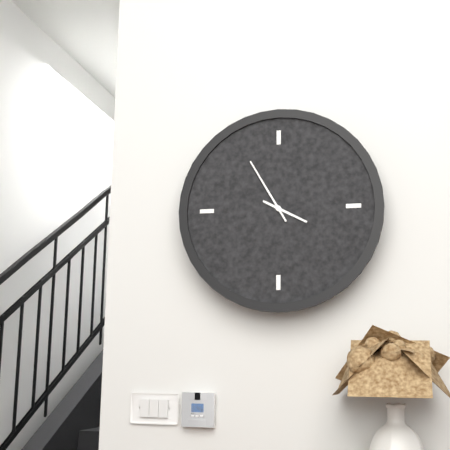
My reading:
**3:55**
